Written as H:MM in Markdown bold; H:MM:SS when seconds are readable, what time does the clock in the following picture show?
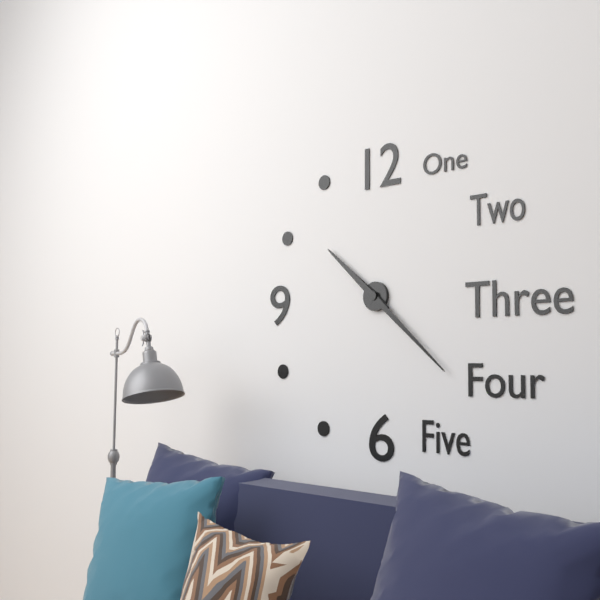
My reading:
**10:22**
